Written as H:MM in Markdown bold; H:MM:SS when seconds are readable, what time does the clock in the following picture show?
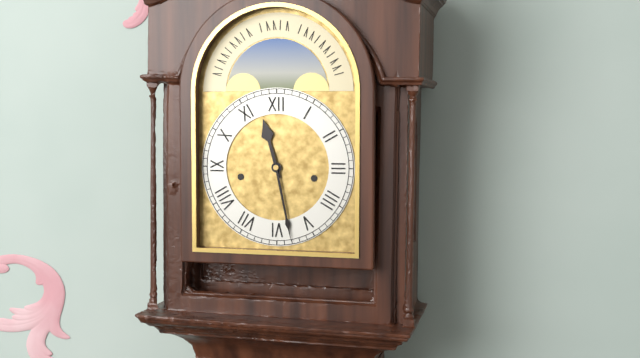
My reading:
**11:28**
